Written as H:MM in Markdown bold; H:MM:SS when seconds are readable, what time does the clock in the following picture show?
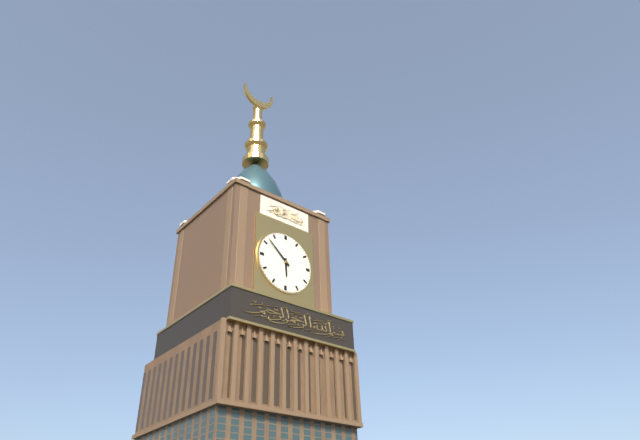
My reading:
**5:52**
